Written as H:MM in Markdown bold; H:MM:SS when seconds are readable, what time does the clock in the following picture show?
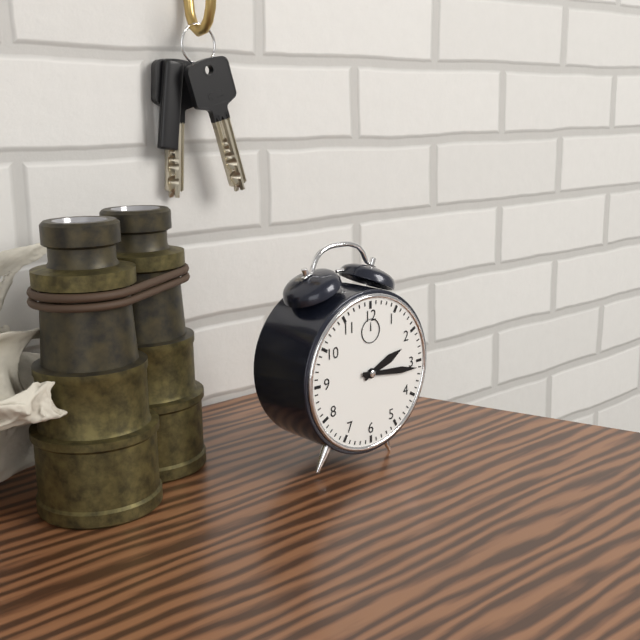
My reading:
**2:16**
